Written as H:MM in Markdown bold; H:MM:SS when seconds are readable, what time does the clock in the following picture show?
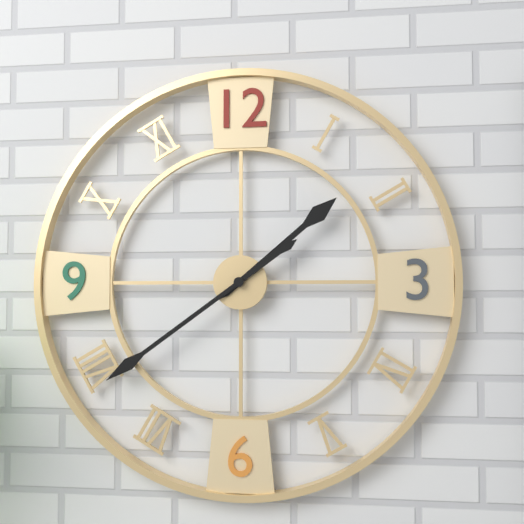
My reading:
**1:39**
